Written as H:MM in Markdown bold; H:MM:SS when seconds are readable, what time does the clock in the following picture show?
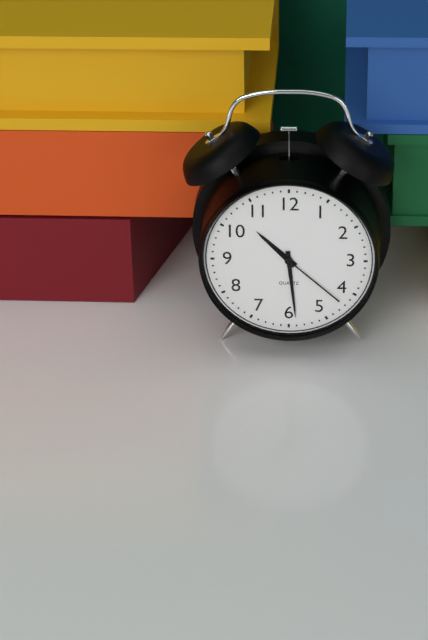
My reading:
**10:29:22**
